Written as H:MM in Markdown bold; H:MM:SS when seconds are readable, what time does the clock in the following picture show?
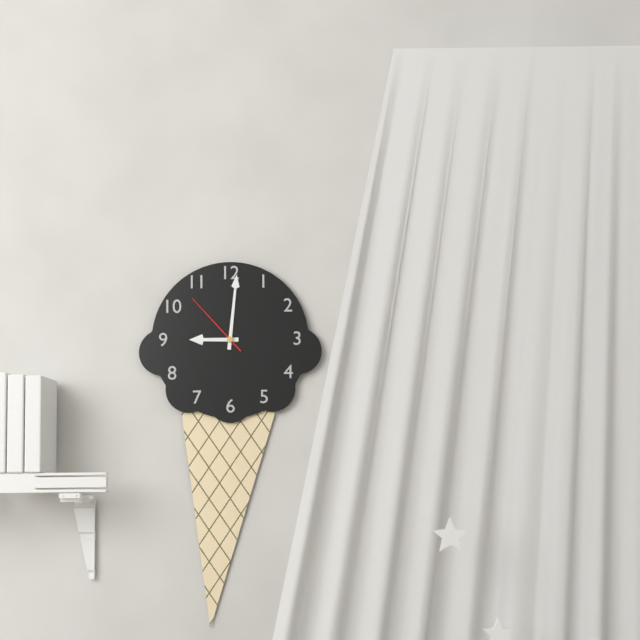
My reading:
**9:01:53**
